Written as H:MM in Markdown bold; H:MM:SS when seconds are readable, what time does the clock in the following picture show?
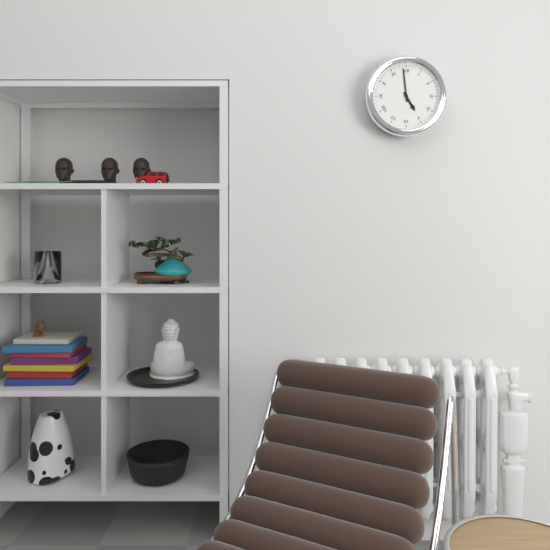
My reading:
**4:59**
